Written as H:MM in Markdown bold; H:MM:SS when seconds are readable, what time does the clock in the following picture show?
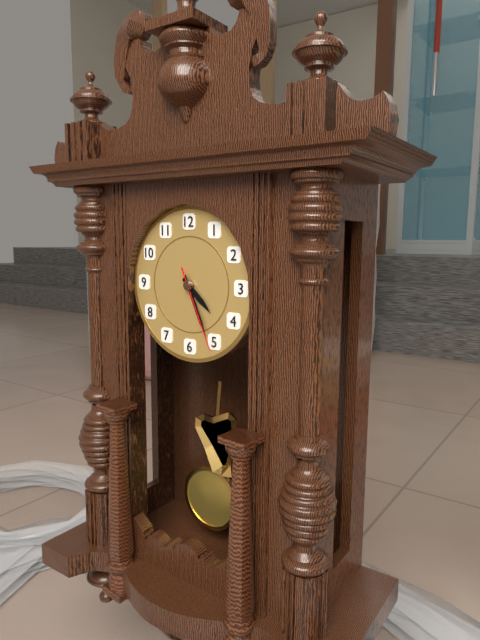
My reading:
**4:26:26**
